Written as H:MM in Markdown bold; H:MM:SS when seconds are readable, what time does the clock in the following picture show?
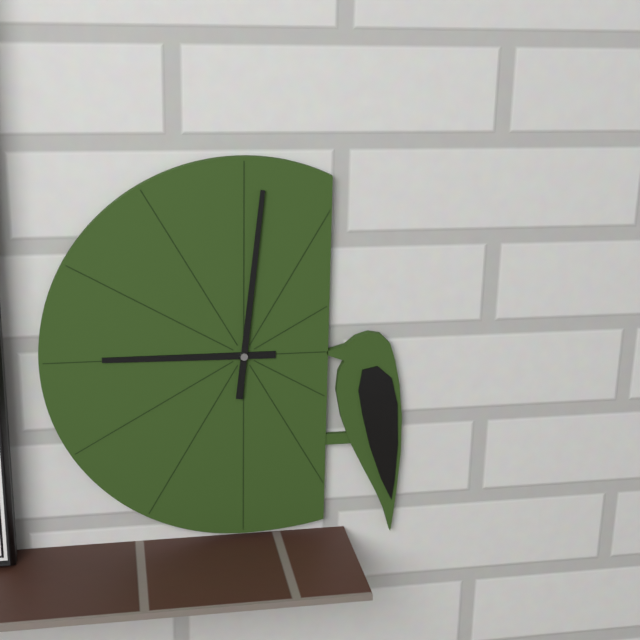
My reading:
**9:01**
